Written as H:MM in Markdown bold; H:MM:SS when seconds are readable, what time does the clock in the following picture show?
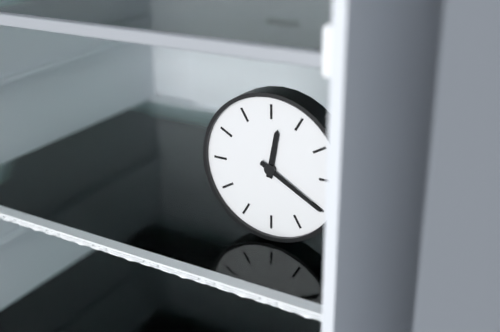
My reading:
**12:20**
